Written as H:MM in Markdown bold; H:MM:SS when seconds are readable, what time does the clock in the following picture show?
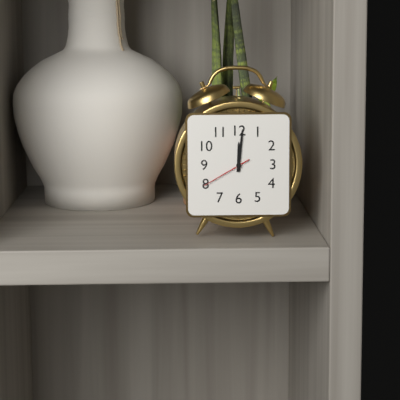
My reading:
**12:01:40**
